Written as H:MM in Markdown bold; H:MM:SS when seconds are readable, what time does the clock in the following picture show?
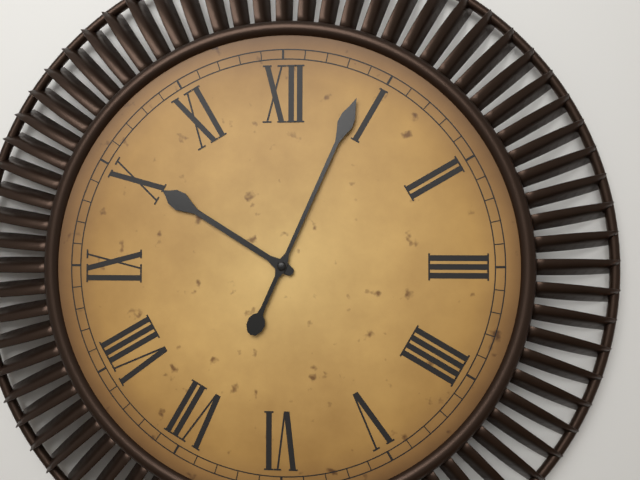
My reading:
**10:04**
